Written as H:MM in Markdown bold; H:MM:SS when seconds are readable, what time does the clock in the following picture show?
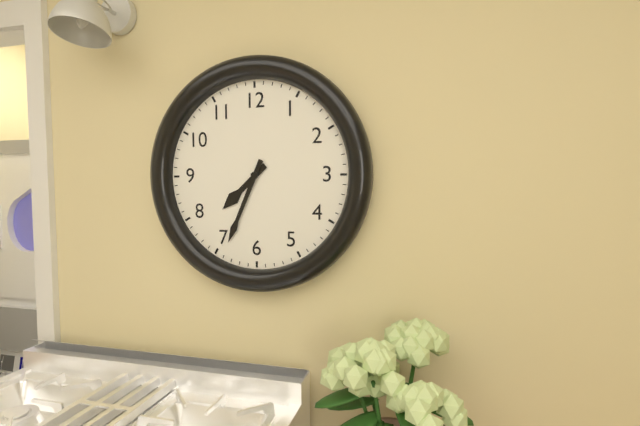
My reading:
**7:34**
